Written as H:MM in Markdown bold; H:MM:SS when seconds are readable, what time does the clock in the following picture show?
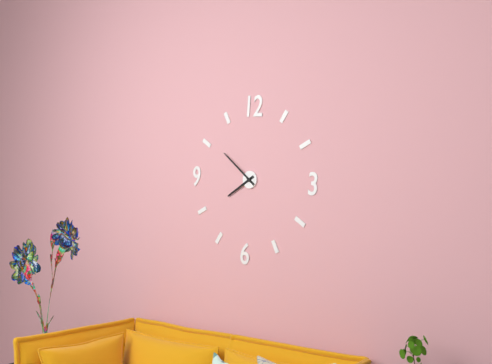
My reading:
**7:51**
